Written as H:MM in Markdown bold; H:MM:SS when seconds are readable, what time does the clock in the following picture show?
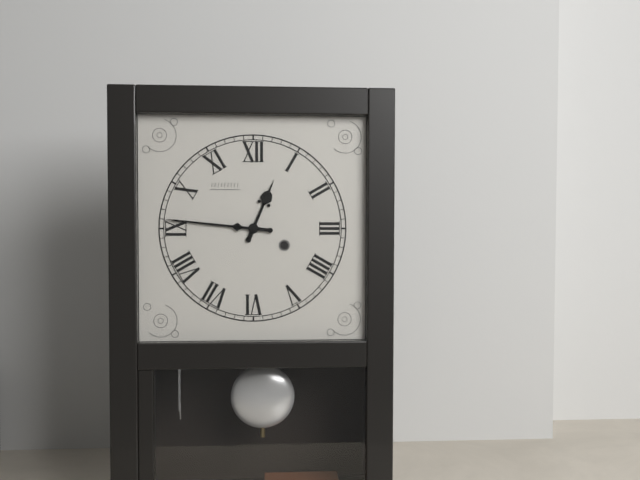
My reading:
**12:46**
